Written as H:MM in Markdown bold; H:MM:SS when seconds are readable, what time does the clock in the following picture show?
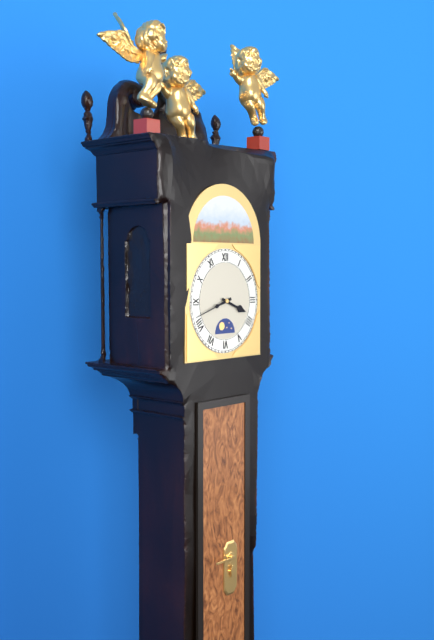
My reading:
**3:42**
